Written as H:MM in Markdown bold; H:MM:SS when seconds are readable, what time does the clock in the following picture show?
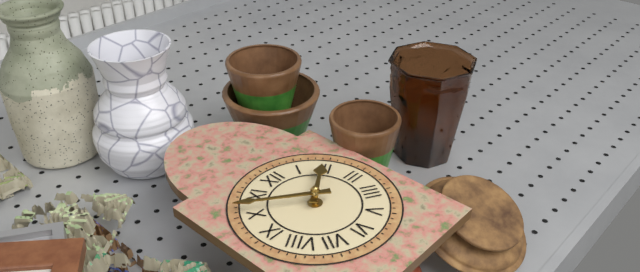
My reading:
**1:51**
